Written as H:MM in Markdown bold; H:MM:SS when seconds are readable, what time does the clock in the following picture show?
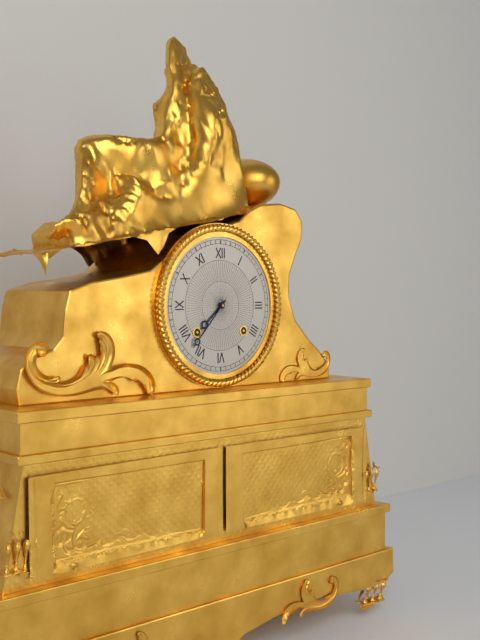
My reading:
**7:37**
